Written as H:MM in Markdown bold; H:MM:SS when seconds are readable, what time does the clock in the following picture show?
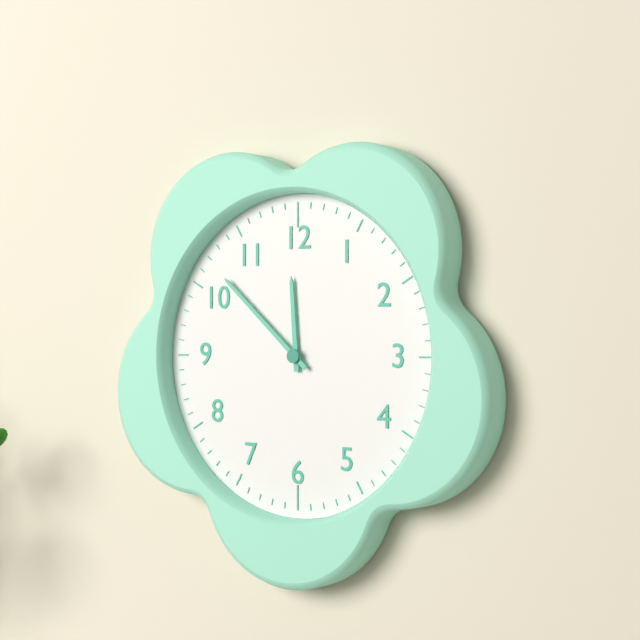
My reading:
**11:52**
